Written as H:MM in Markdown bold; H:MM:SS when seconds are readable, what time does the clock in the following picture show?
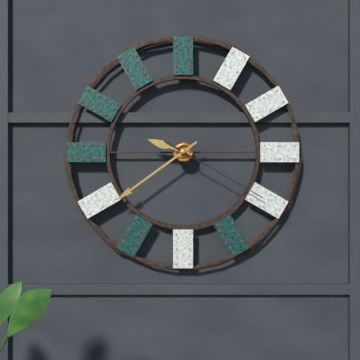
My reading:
**9:39:20**
